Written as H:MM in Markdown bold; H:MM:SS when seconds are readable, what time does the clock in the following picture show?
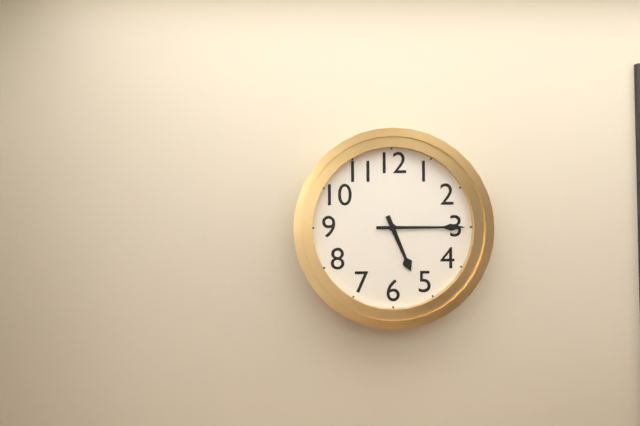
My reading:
**5:15**
